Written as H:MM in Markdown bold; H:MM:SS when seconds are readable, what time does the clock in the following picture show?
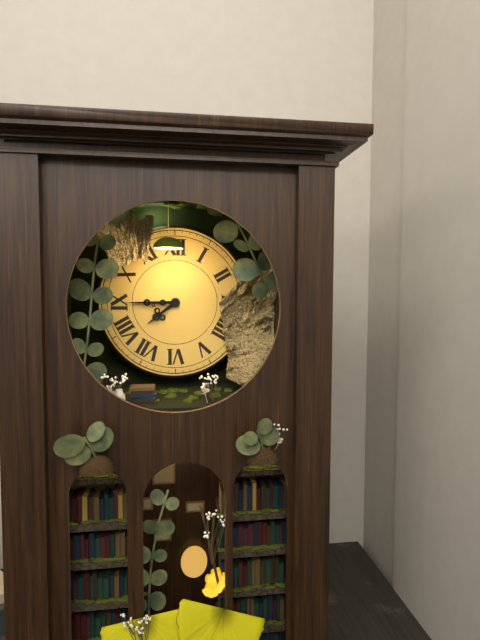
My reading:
**7:45**
